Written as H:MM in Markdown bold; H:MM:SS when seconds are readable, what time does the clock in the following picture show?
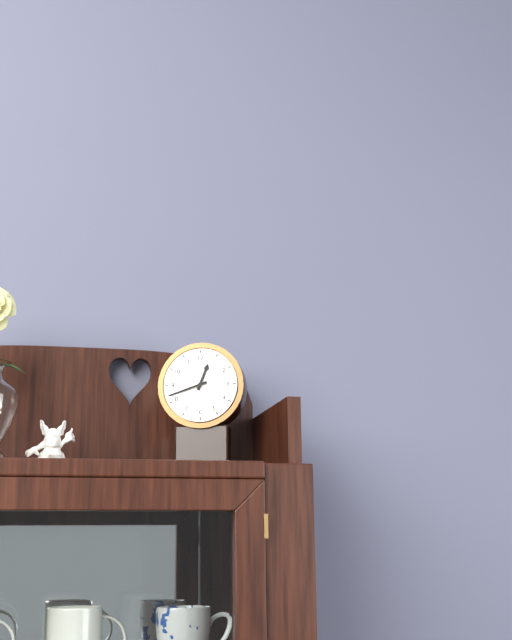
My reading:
**12:42**
